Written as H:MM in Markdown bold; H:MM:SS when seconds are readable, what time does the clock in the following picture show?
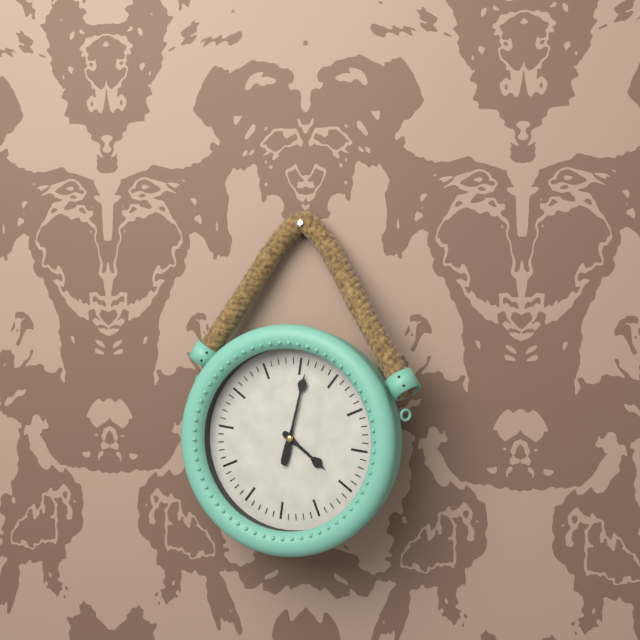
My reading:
**4:01**
